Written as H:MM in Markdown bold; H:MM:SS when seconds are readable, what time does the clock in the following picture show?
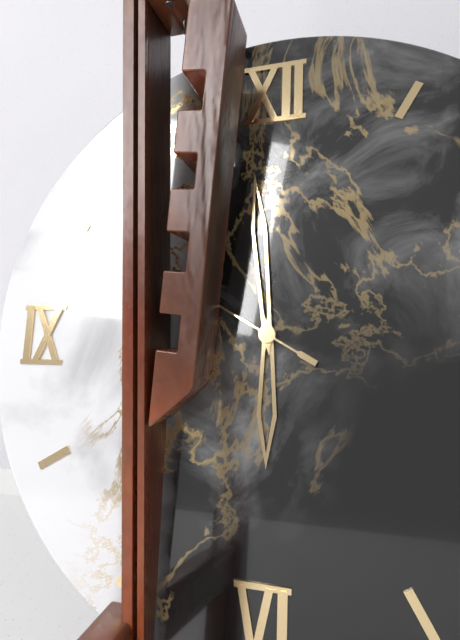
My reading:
**5:59**
